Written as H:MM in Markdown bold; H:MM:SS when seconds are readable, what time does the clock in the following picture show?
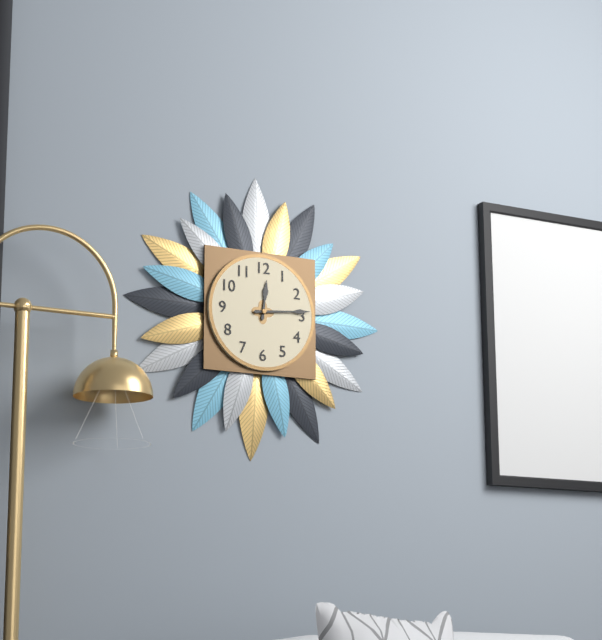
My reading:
**12:14**
